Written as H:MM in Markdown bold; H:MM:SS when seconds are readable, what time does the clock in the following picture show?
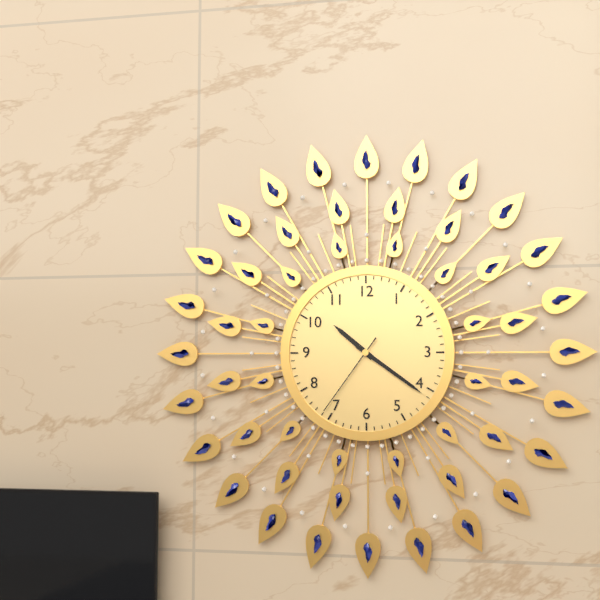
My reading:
**10:21:36**
